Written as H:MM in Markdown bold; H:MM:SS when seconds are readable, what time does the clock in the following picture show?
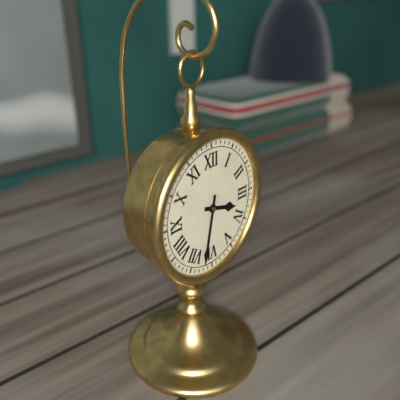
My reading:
**3:32**
